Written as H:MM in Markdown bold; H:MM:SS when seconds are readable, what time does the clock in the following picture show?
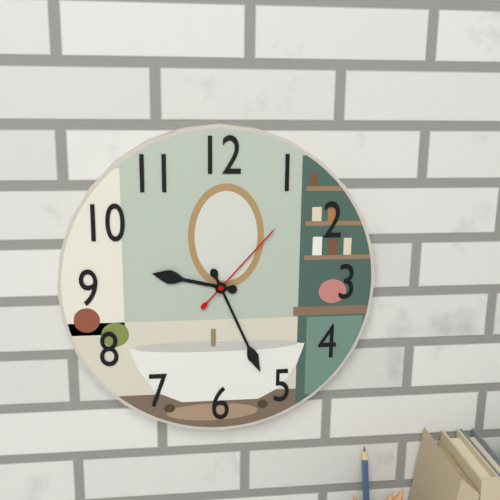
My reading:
**9:26:07**
